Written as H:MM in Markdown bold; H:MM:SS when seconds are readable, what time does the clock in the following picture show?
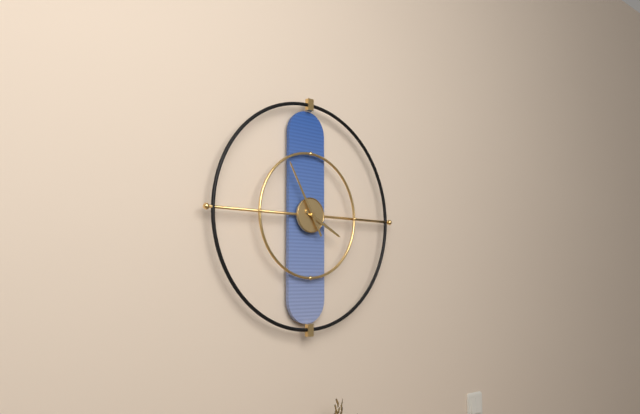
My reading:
**3:55**
